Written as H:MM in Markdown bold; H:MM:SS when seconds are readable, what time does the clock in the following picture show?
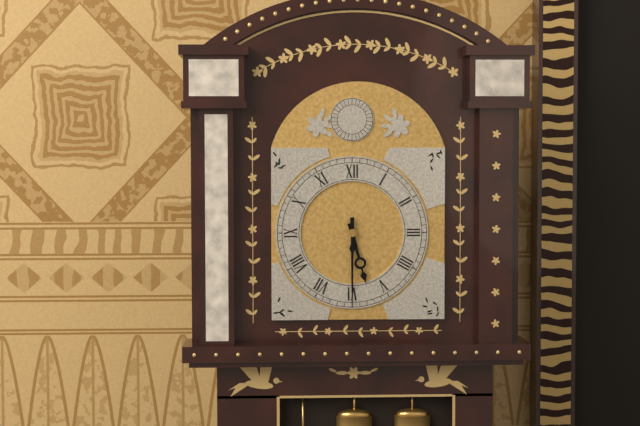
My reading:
**5:30**
